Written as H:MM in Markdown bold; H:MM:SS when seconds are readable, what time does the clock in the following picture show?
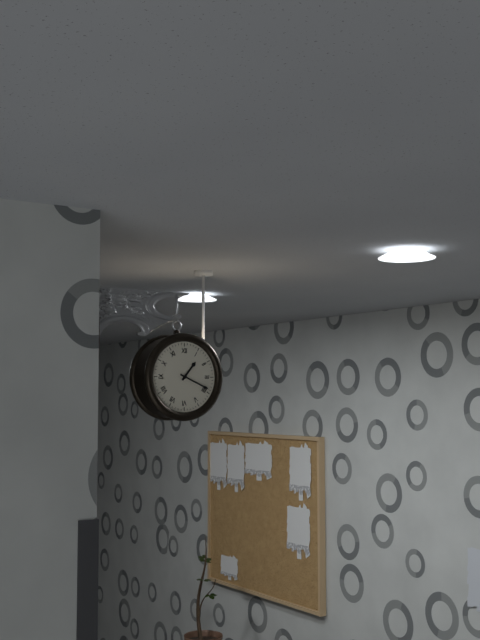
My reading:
**1:19**
